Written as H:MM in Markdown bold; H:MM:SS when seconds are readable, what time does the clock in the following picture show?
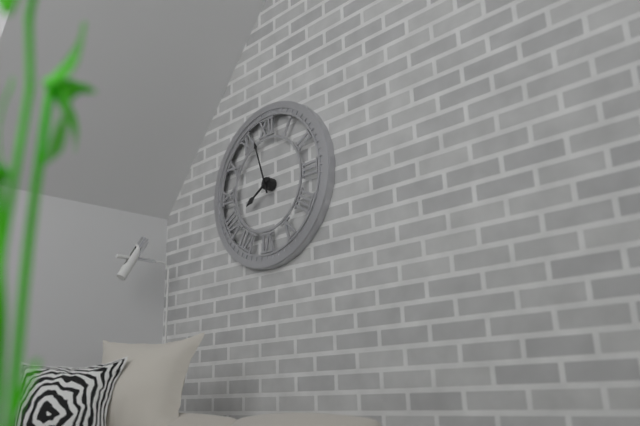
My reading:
**7:57**
